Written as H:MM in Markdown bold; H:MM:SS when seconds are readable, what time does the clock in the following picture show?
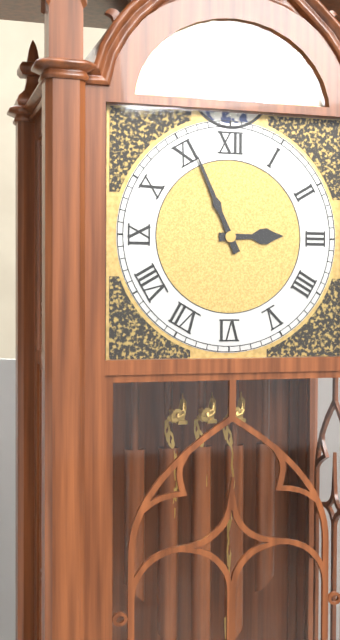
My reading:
**2:56**
